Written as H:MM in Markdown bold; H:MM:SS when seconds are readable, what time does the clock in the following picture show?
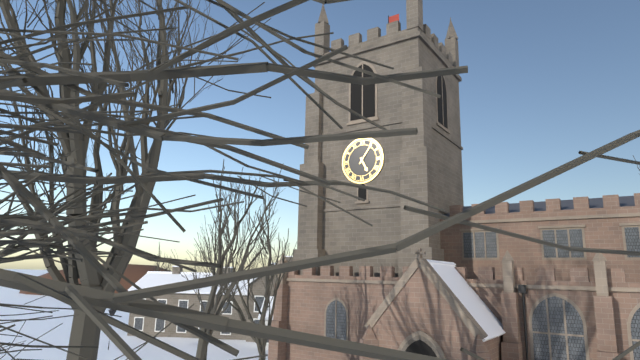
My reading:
**5:06**
